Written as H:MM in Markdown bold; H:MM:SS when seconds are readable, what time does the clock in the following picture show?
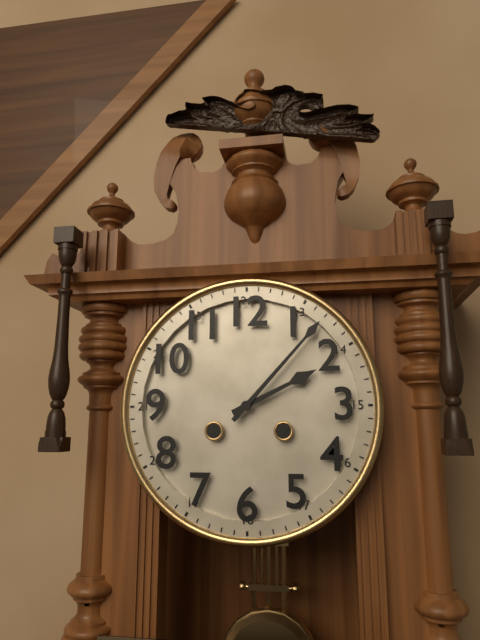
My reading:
**2:07**
